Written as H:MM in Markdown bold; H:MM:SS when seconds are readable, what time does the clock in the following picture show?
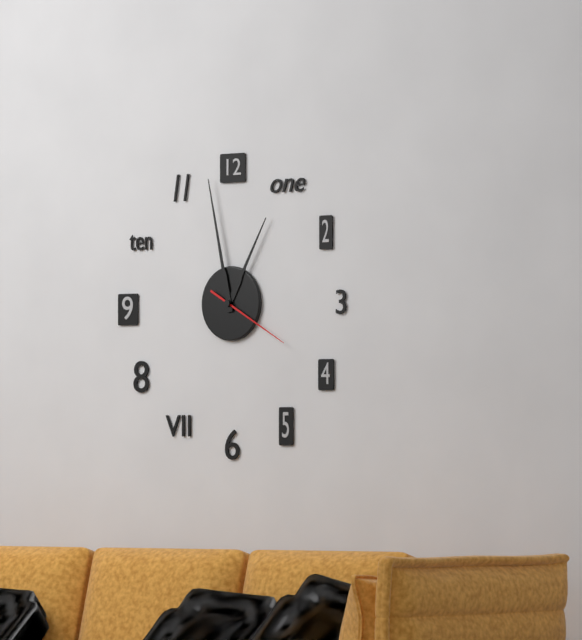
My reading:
**12:58:20**
